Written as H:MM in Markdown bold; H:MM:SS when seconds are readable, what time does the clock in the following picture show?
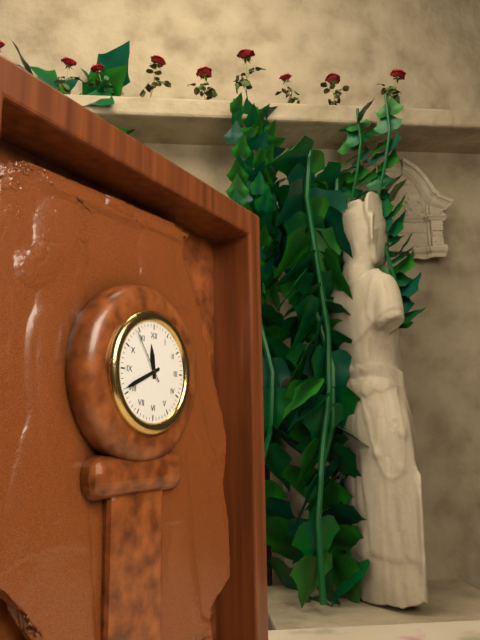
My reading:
**11:41:54**
